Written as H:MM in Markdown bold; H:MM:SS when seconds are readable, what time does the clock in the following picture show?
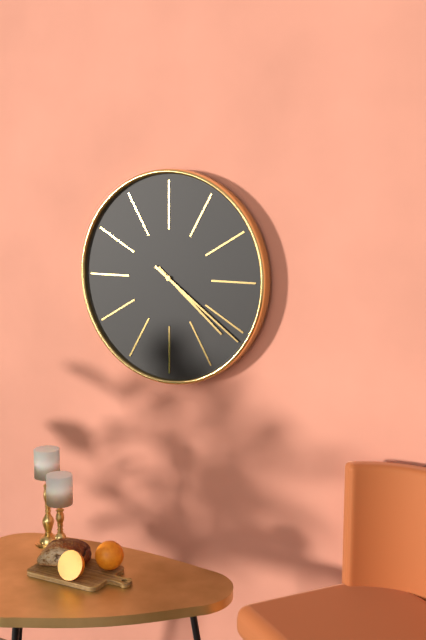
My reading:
**4:21**
